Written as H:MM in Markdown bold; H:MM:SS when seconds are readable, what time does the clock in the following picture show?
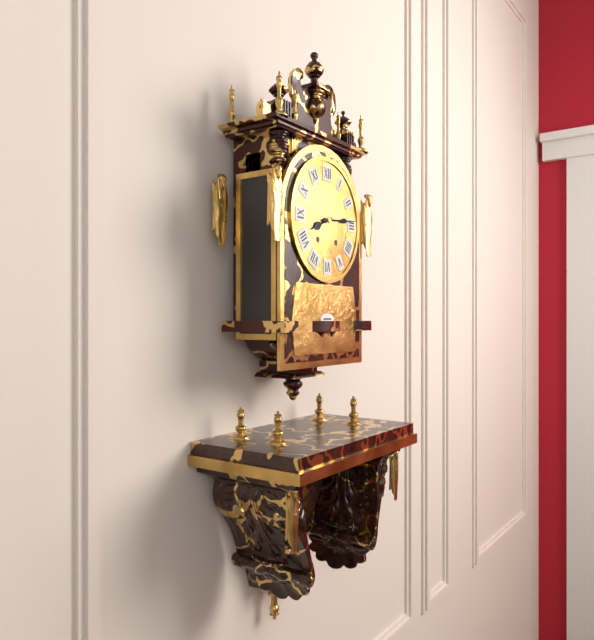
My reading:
**8:14**
